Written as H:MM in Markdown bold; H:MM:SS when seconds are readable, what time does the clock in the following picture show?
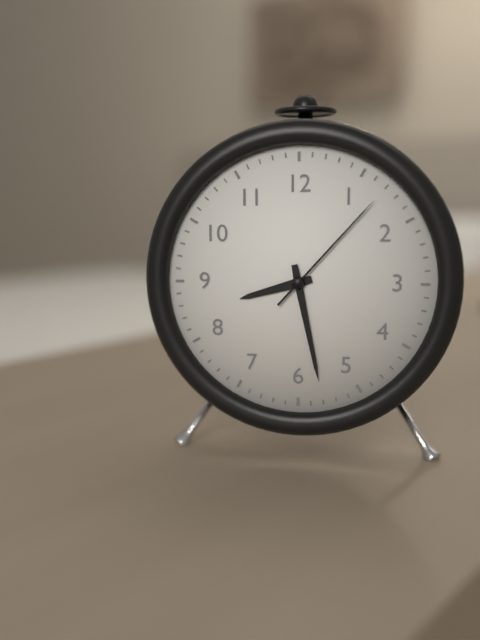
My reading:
**8:28:07**
